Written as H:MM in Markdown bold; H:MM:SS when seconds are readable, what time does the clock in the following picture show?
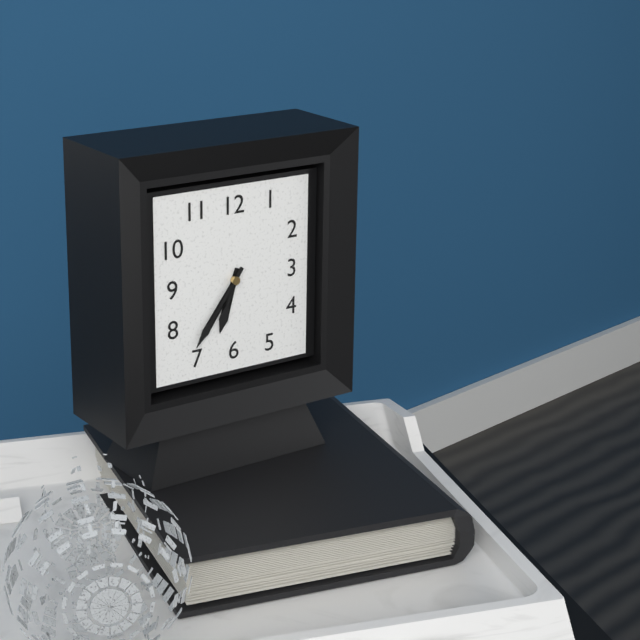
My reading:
**6:36**
